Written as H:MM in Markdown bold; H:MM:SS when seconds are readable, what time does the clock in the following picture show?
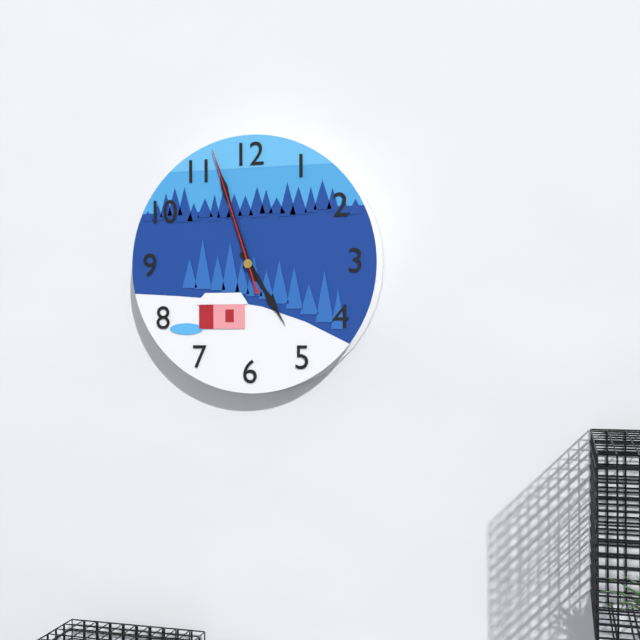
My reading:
**4:57:57**
